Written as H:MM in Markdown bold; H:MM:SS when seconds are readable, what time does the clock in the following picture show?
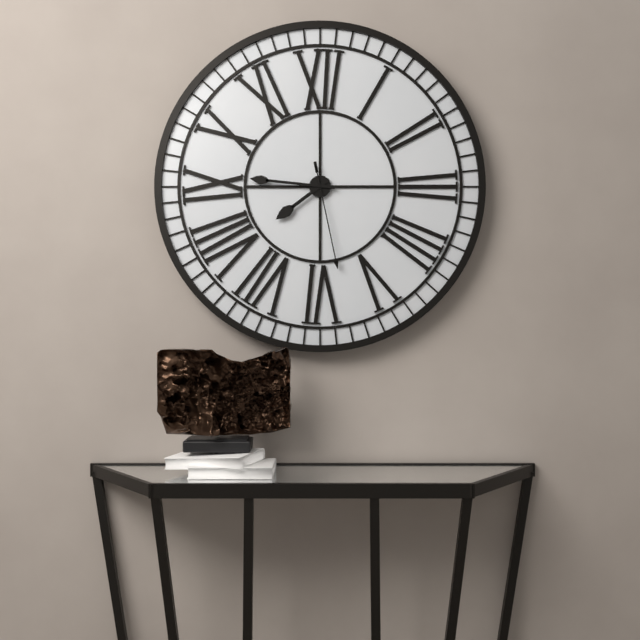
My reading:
**7:46:28**
